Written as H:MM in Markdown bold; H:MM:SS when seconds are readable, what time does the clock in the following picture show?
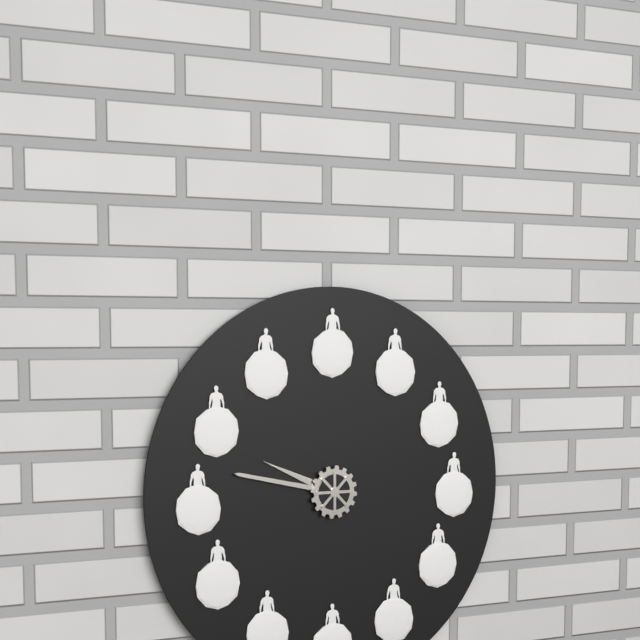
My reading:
**9:47**
